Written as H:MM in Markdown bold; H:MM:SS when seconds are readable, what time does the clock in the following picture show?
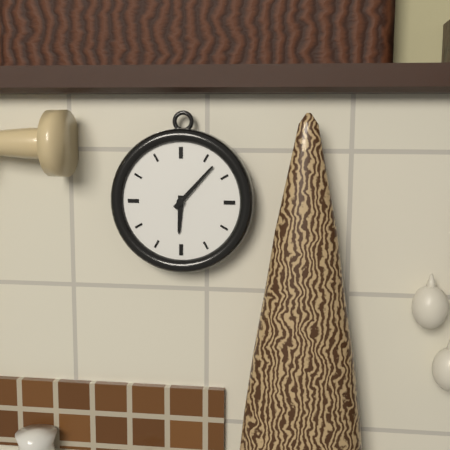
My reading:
**6:07**
